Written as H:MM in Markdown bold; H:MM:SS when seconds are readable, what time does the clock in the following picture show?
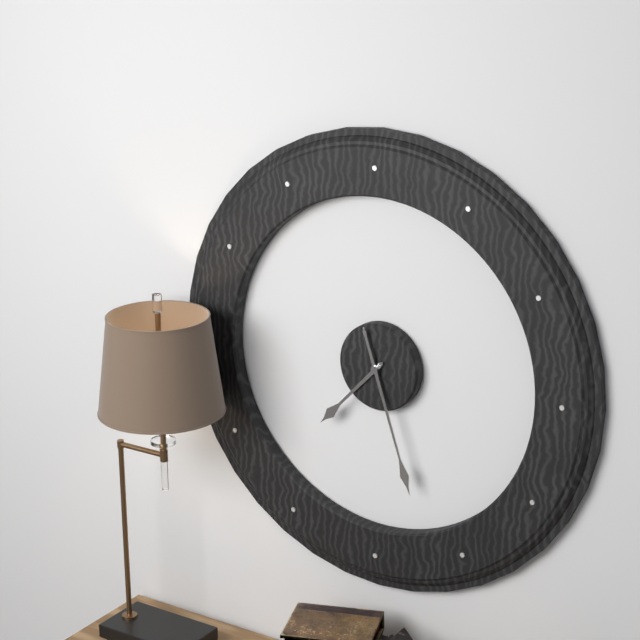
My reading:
**7:27**
